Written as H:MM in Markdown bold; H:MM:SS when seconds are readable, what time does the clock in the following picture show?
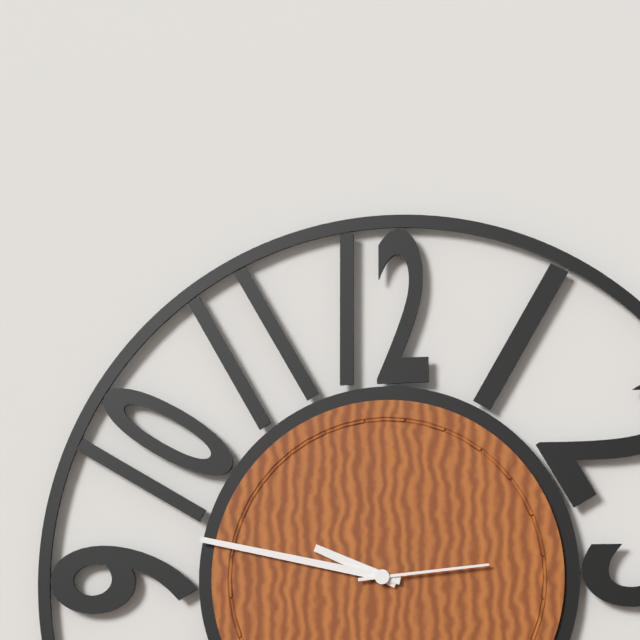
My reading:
**9:47:14**
